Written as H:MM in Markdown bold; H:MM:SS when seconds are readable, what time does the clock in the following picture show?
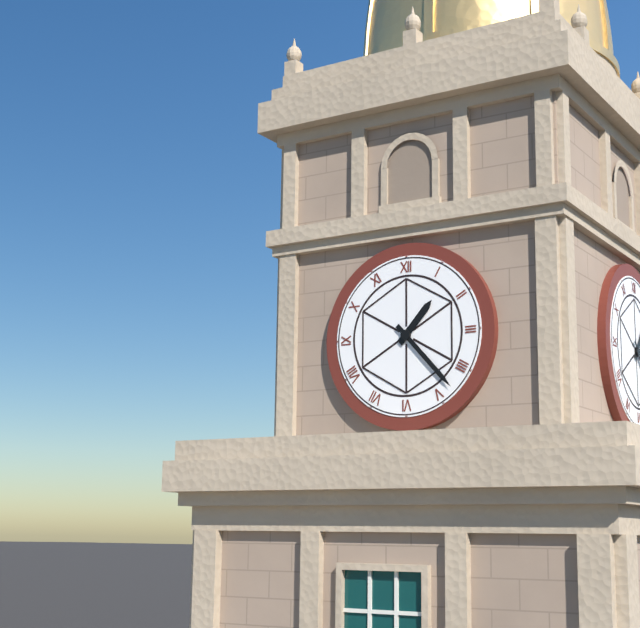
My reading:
**1:23**
